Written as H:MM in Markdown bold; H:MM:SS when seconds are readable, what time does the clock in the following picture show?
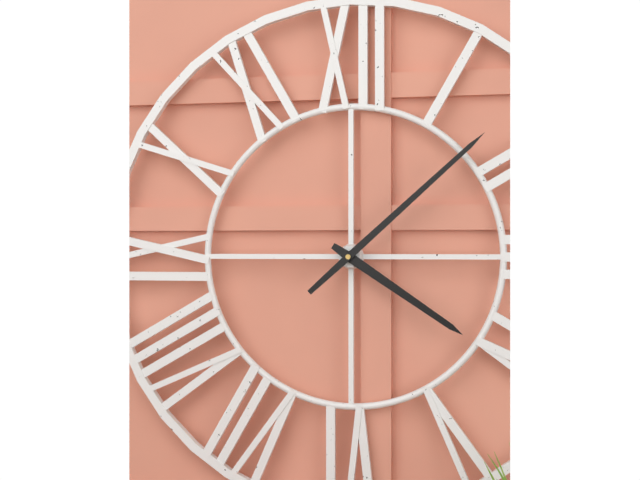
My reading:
**4:08**
